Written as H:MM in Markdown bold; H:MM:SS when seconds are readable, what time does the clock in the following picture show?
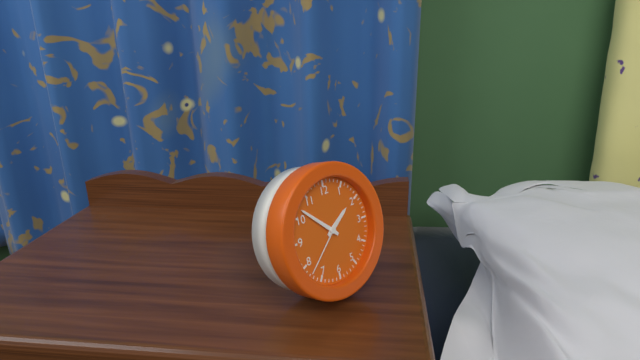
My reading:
**1:52:38**
